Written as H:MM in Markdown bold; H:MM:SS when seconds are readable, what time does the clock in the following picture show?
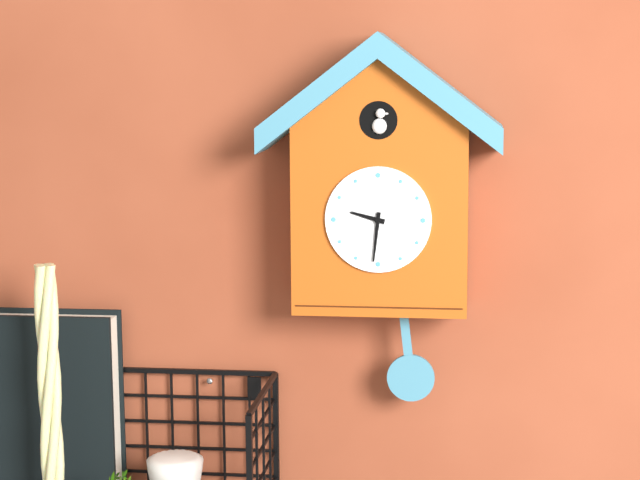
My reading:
**9:31**
